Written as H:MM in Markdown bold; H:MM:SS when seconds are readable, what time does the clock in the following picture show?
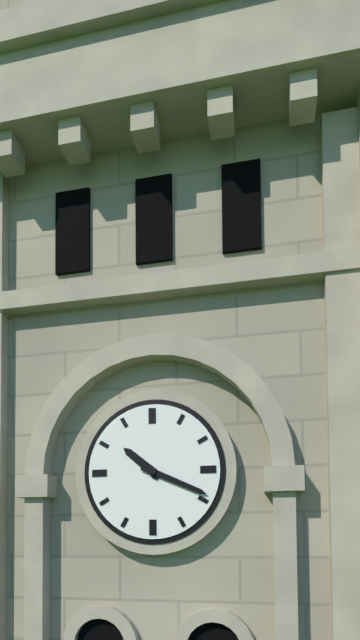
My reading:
**10:19**
